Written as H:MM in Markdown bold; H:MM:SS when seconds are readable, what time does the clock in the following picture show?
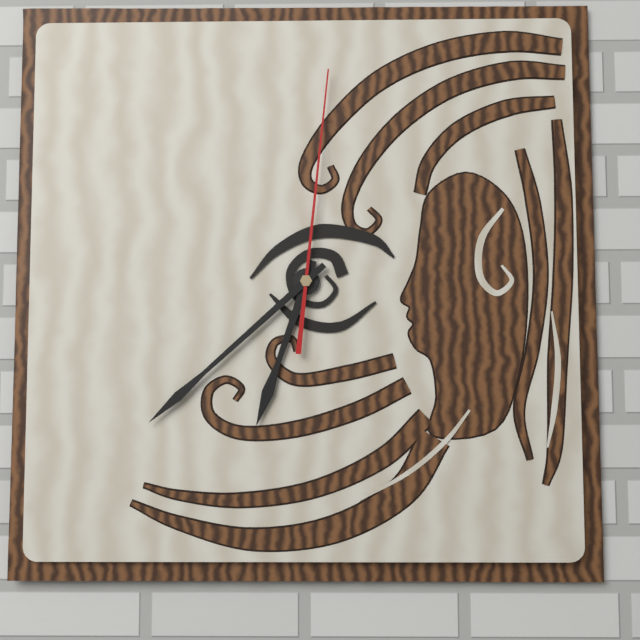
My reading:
**6:38:01**
